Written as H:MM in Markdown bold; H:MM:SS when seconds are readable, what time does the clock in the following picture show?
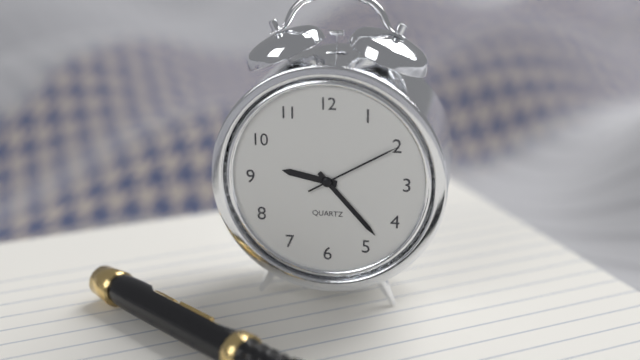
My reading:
**9:23:10**
